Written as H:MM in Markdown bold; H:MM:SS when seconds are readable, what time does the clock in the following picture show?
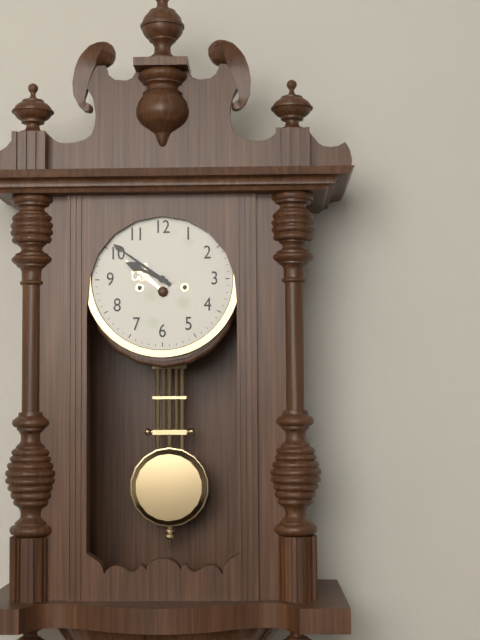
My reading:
**9:51**
